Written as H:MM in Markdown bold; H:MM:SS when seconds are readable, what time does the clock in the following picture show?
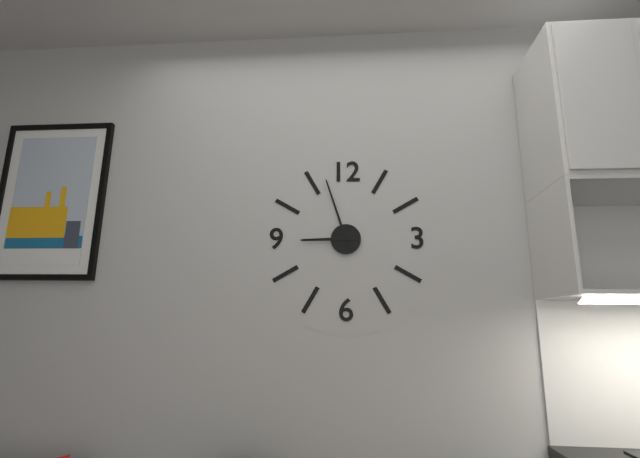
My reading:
**8:57**
